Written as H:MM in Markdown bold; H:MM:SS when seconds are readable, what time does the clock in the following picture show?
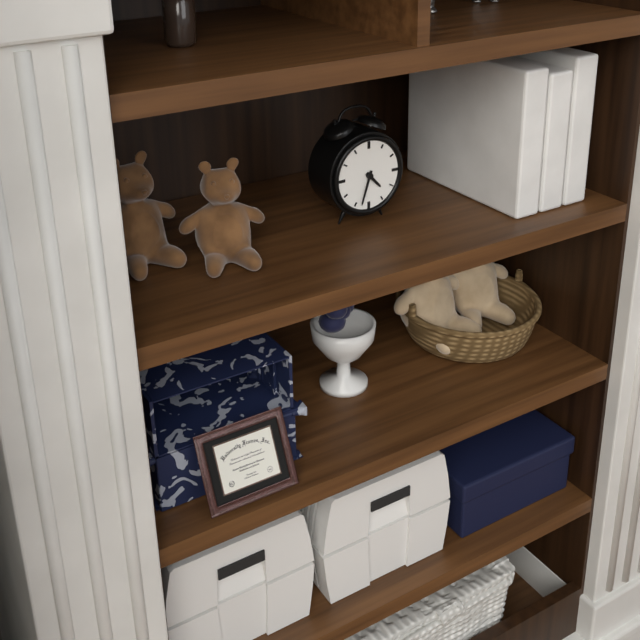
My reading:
**4:33**
